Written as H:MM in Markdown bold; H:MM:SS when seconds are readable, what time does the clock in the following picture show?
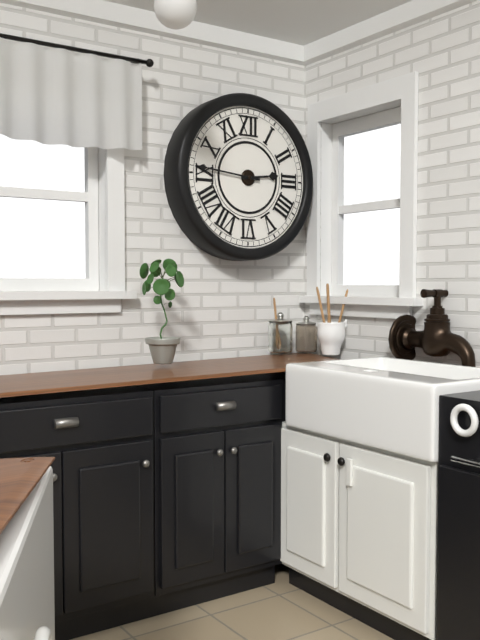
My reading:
**2:46**
